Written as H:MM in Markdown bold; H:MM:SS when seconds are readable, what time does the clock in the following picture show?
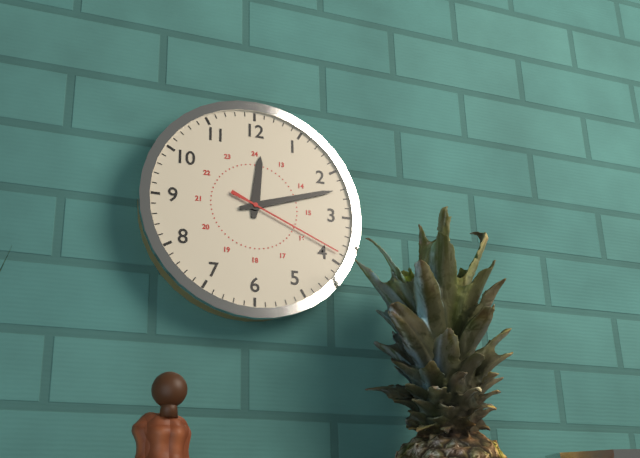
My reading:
**12:12:19**
